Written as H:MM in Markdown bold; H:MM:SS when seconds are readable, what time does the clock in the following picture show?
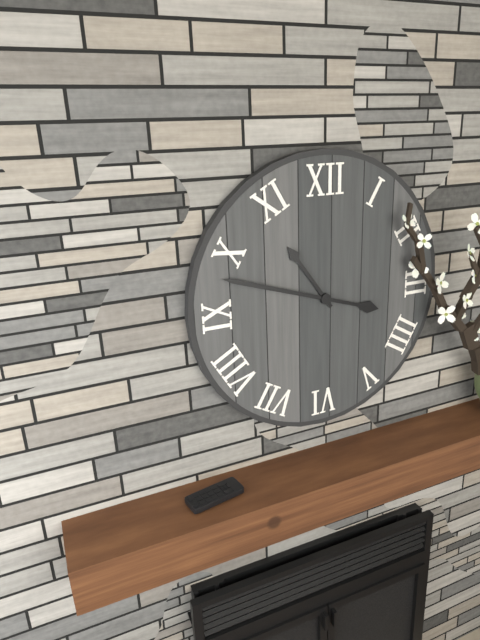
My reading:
**10:48**
